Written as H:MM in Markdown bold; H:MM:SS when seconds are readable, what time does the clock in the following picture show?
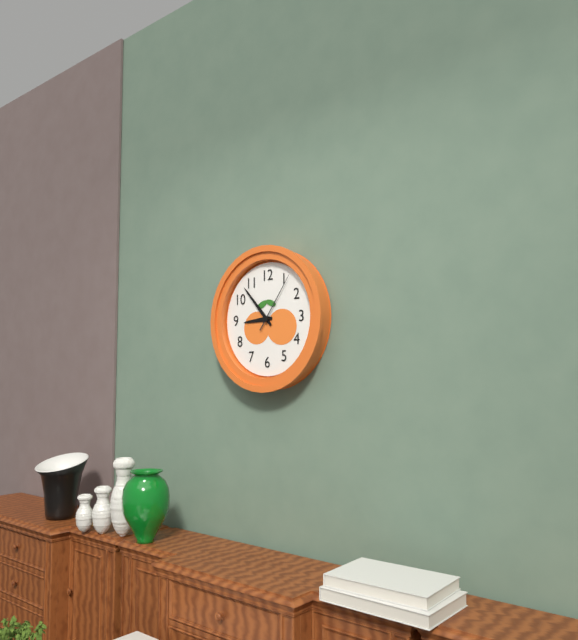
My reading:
**8:53:06**
